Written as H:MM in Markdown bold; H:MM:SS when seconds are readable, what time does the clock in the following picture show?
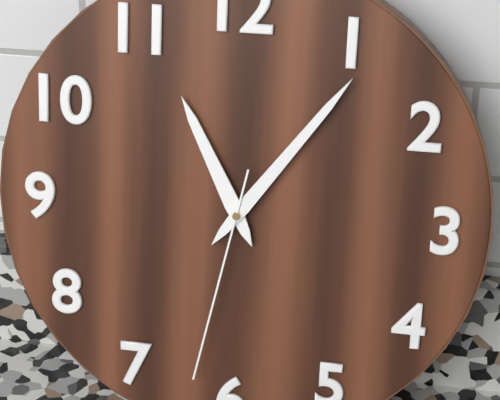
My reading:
**11:06:32**
